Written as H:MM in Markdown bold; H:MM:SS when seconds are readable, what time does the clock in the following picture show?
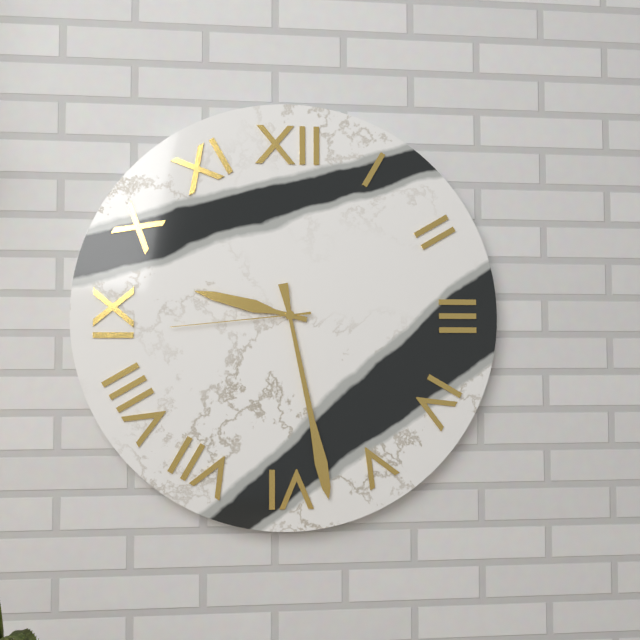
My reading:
**9:28:44**
